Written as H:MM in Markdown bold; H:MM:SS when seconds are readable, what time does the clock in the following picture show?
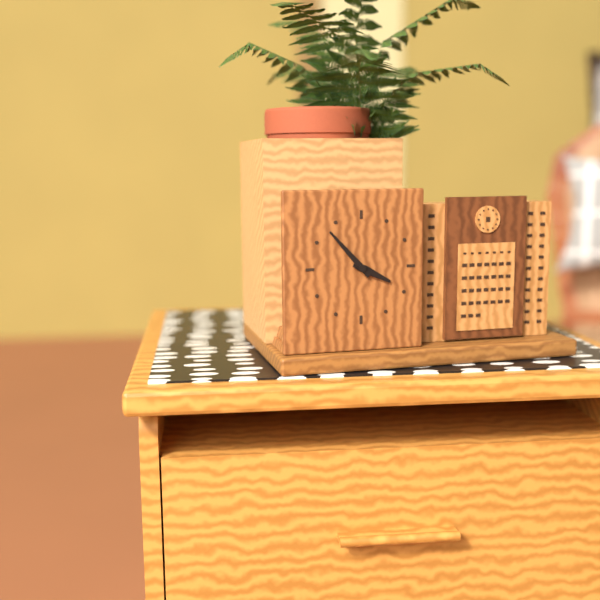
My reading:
**3:53**
